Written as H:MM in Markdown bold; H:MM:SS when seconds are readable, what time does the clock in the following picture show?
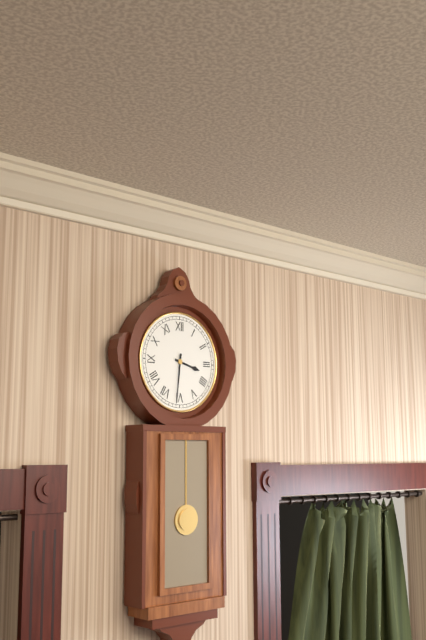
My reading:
**3:31**
